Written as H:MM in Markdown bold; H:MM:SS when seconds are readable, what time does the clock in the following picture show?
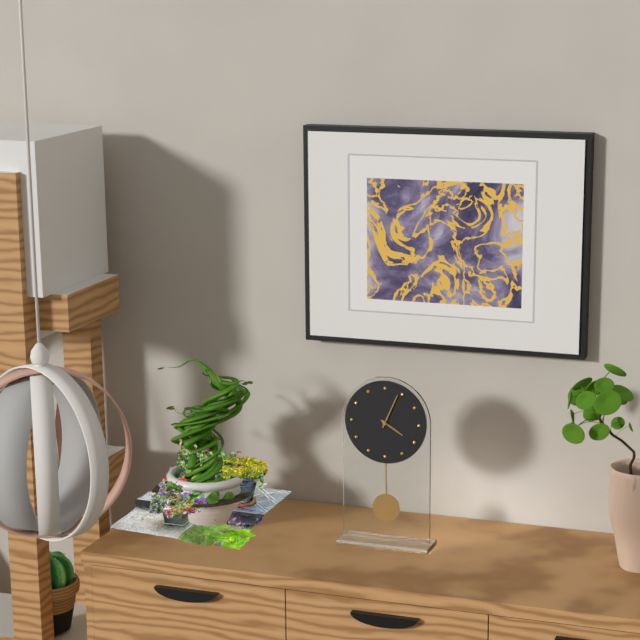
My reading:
**4:04**
